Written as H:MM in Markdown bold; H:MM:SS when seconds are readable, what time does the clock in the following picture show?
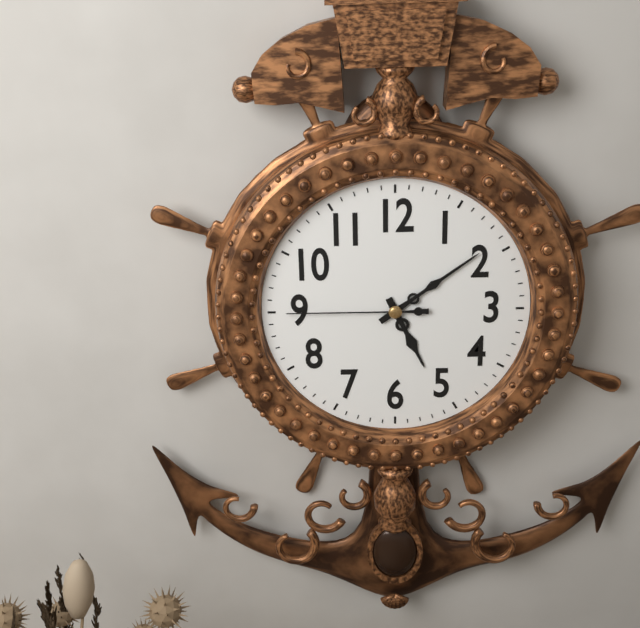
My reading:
**5:09:45**
